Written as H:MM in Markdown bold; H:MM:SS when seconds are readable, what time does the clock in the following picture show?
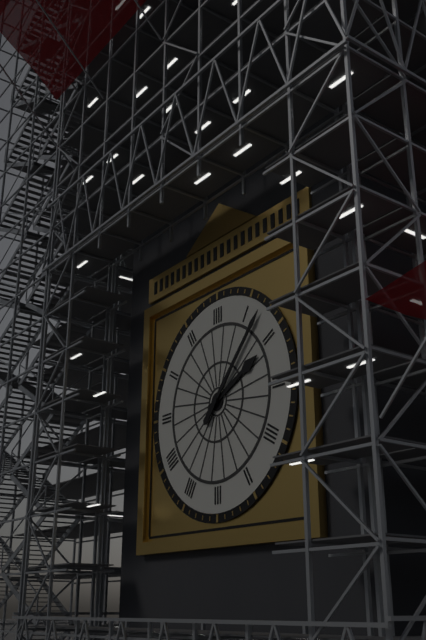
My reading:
**2:07**
